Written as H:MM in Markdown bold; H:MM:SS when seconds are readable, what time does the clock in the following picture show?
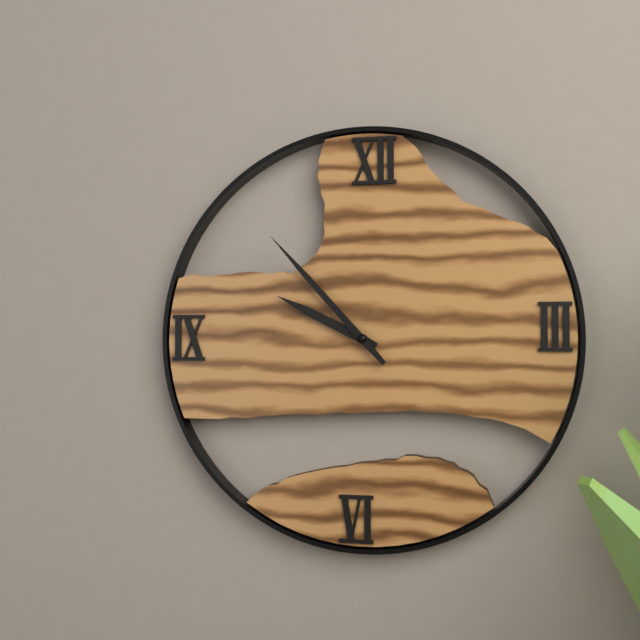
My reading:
**9:53**
